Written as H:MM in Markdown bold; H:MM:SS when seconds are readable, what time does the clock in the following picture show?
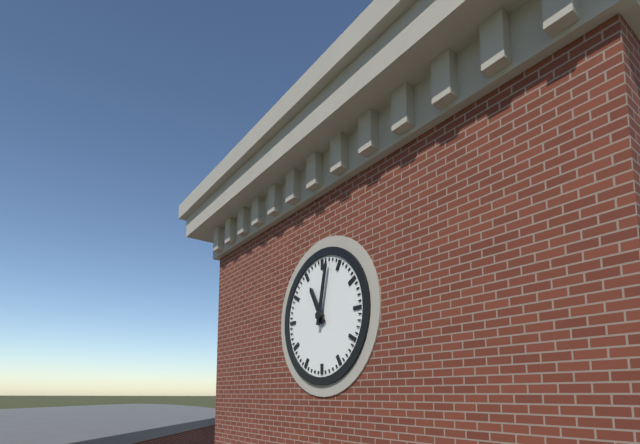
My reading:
**11:02**
